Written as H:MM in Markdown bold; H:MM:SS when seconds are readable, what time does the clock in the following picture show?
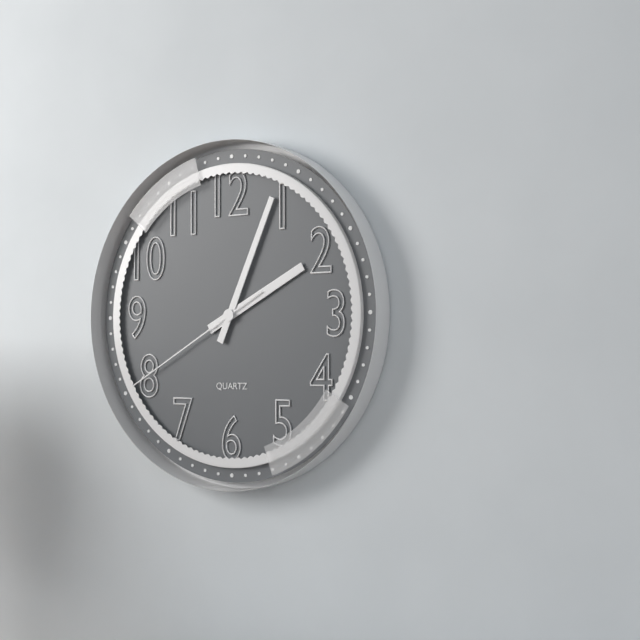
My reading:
**2:04:40**
